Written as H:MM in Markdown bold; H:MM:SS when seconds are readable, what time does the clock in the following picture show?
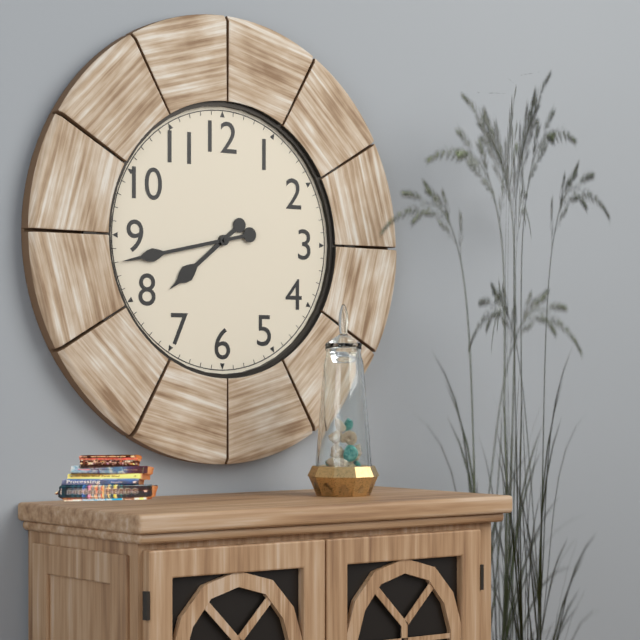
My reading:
**7:43**
